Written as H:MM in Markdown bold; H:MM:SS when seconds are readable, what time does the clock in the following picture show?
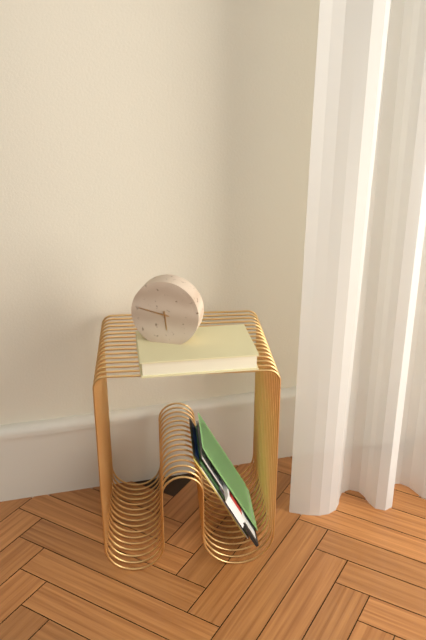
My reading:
**5:47**
